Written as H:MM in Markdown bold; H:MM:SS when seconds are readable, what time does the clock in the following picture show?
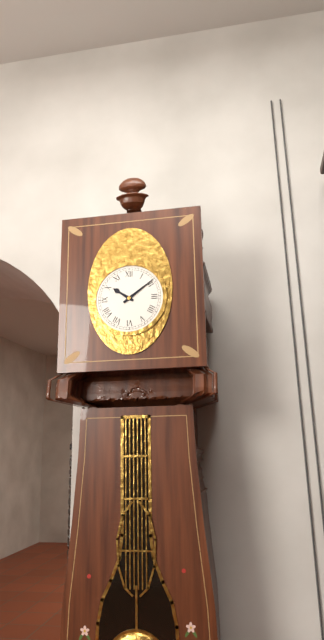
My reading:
**10:09**
